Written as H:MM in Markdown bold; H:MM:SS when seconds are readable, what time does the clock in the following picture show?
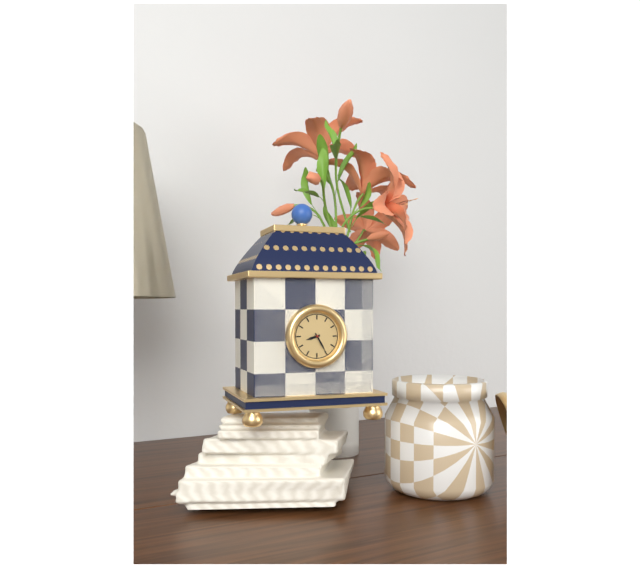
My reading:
**8:25**
